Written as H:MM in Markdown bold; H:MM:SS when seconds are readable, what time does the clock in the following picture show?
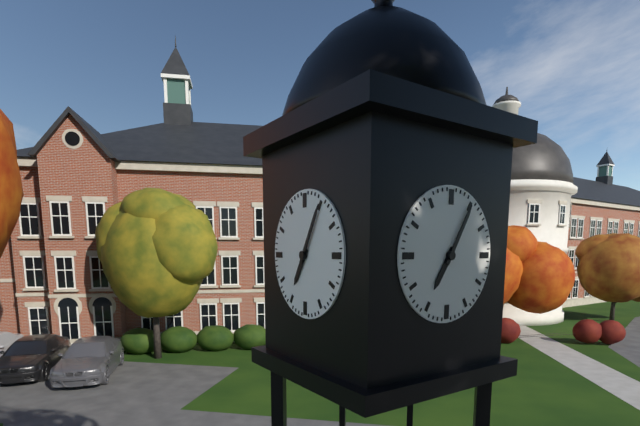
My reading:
**7:05**
